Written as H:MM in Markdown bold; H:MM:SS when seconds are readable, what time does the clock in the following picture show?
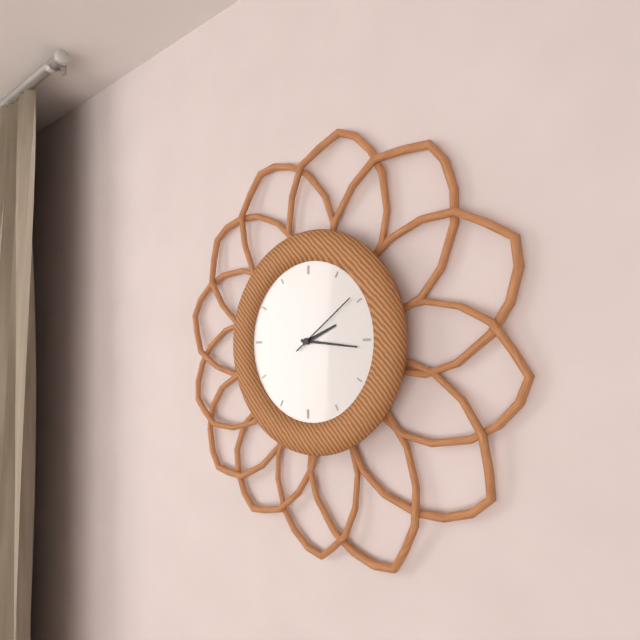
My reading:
**2:16:09**
